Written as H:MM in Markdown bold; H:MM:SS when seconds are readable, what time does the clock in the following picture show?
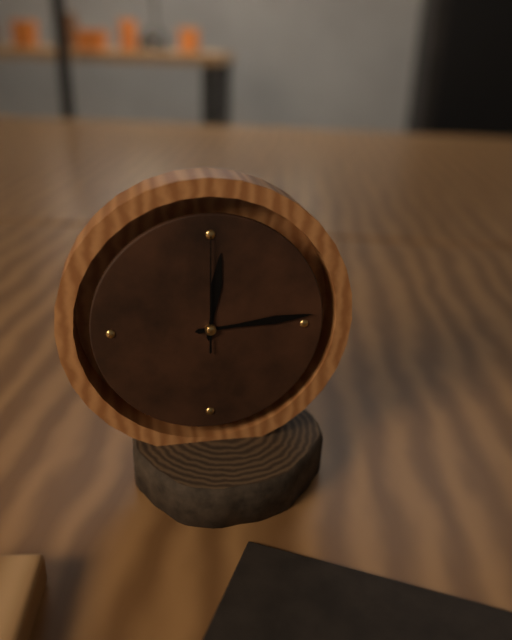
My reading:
**12:14:00**
